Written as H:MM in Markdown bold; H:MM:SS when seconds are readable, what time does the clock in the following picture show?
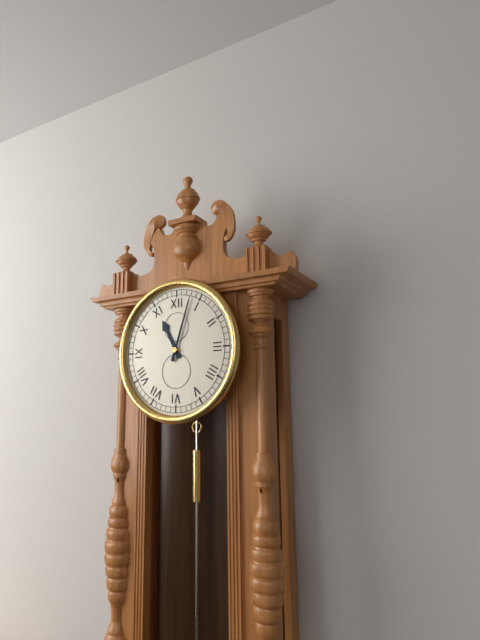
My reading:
**11:03**
